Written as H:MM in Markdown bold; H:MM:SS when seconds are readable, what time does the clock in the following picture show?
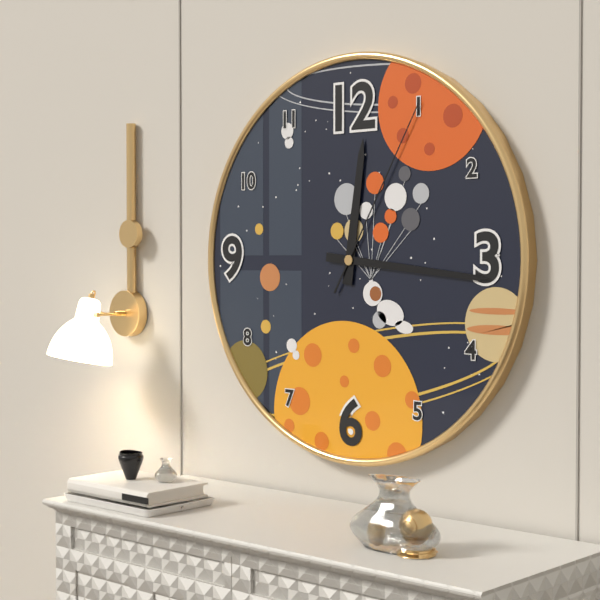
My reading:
**12:16:05**
